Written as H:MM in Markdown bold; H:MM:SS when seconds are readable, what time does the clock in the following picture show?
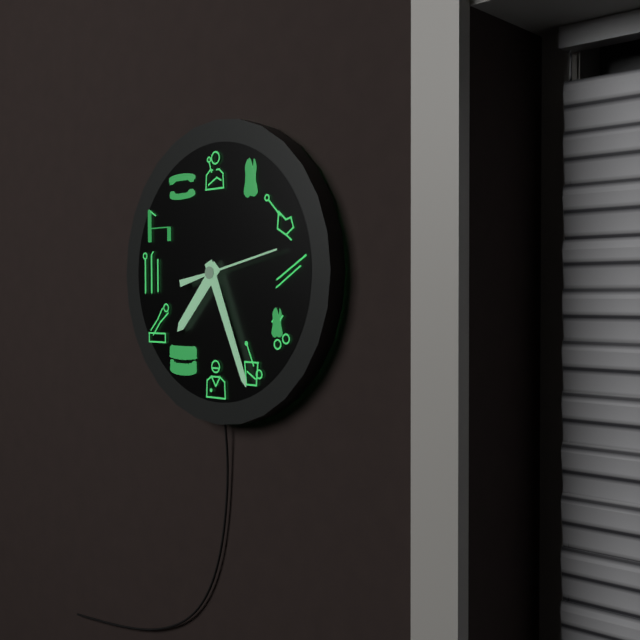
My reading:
**7:26:13**
